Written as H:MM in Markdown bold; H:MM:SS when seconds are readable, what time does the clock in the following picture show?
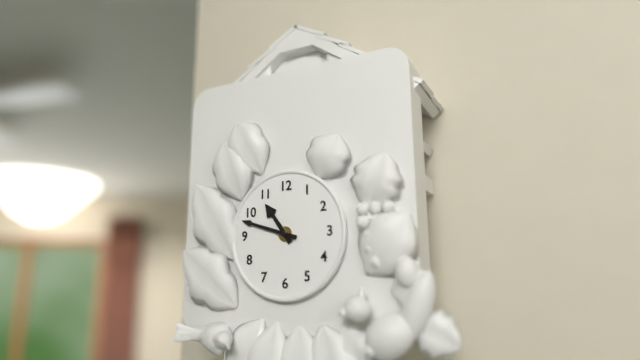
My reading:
**10:48**
